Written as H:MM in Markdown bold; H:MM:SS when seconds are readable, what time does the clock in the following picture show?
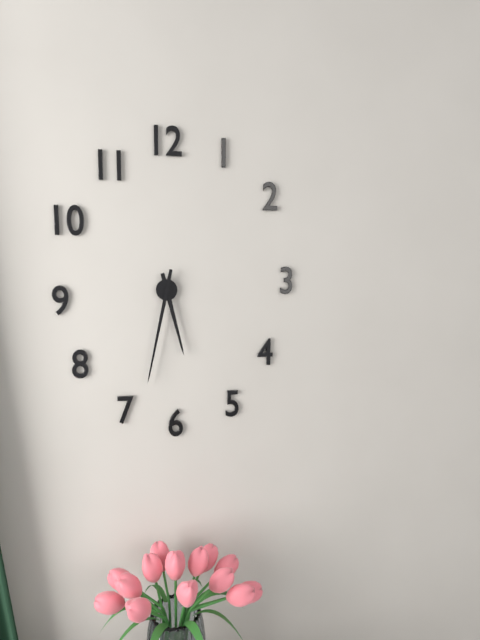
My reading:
**5:32**
